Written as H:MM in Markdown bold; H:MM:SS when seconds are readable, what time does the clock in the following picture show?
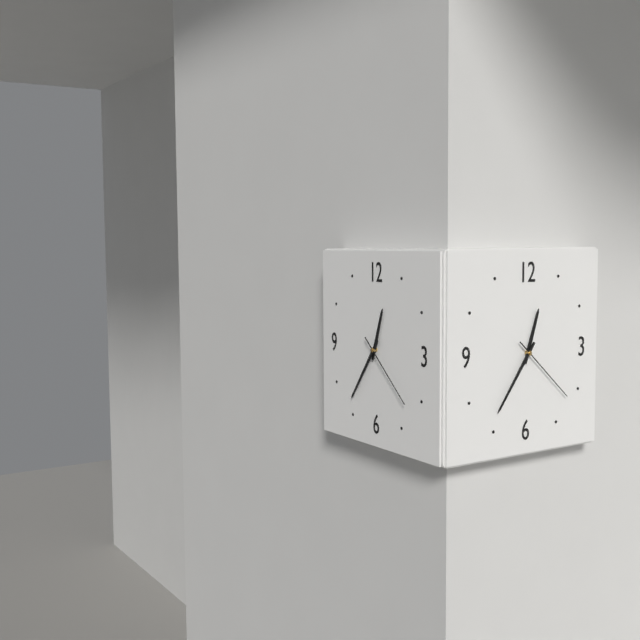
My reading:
**12:36:22**
